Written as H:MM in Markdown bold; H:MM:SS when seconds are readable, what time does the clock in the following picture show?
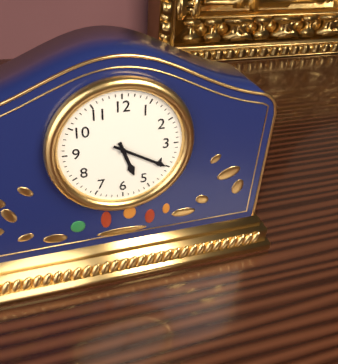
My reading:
**5:20**
